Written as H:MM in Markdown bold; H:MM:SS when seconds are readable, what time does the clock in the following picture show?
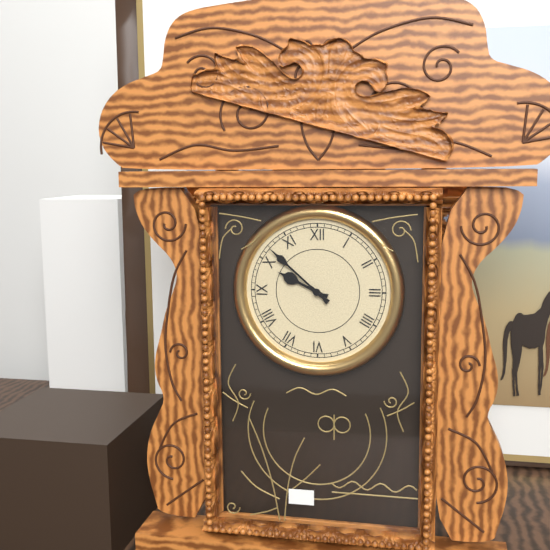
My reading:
**9:52**
